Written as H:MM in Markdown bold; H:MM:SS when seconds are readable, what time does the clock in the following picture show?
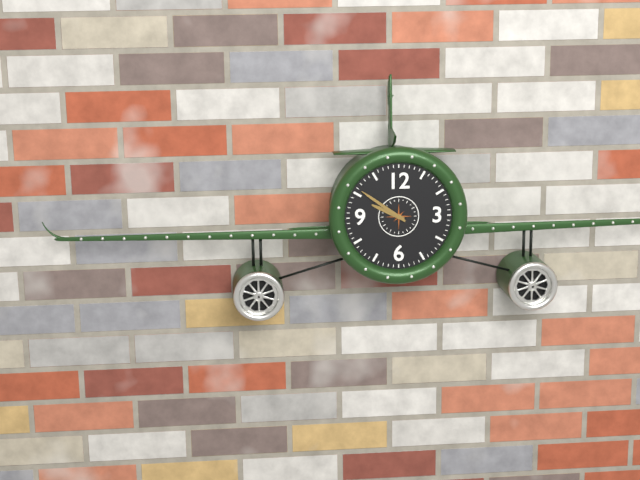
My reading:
**9:51**
